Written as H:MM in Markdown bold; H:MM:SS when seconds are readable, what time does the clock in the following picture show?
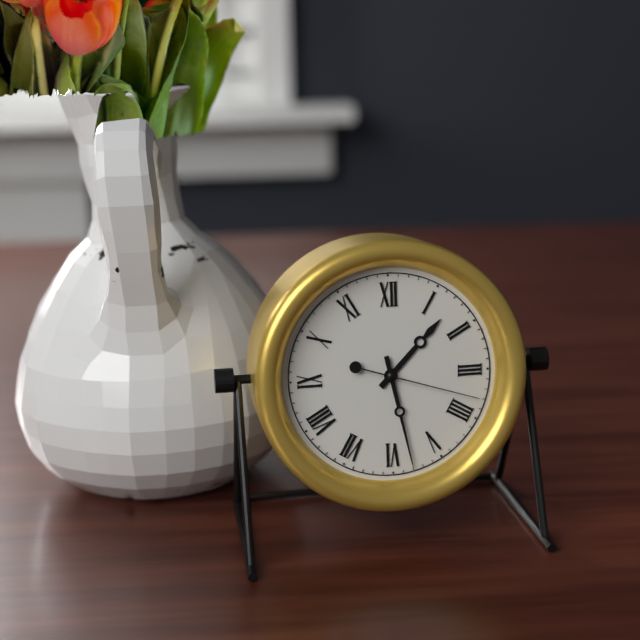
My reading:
**1:28:18**
